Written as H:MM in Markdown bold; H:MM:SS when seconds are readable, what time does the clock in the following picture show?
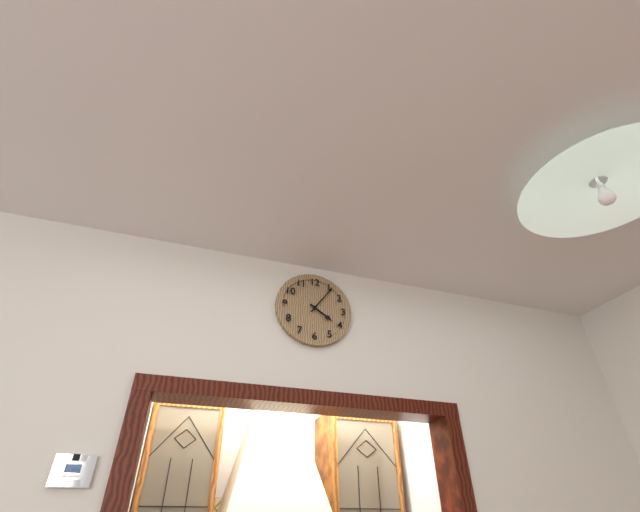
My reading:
**4:06**
